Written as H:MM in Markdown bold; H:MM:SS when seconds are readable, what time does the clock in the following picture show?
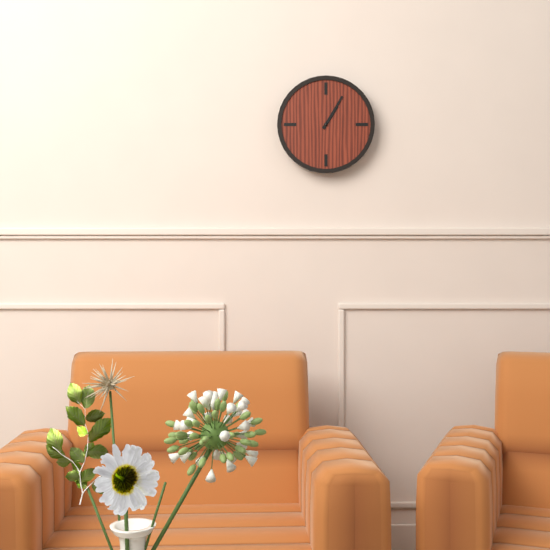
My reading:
**1:05**
